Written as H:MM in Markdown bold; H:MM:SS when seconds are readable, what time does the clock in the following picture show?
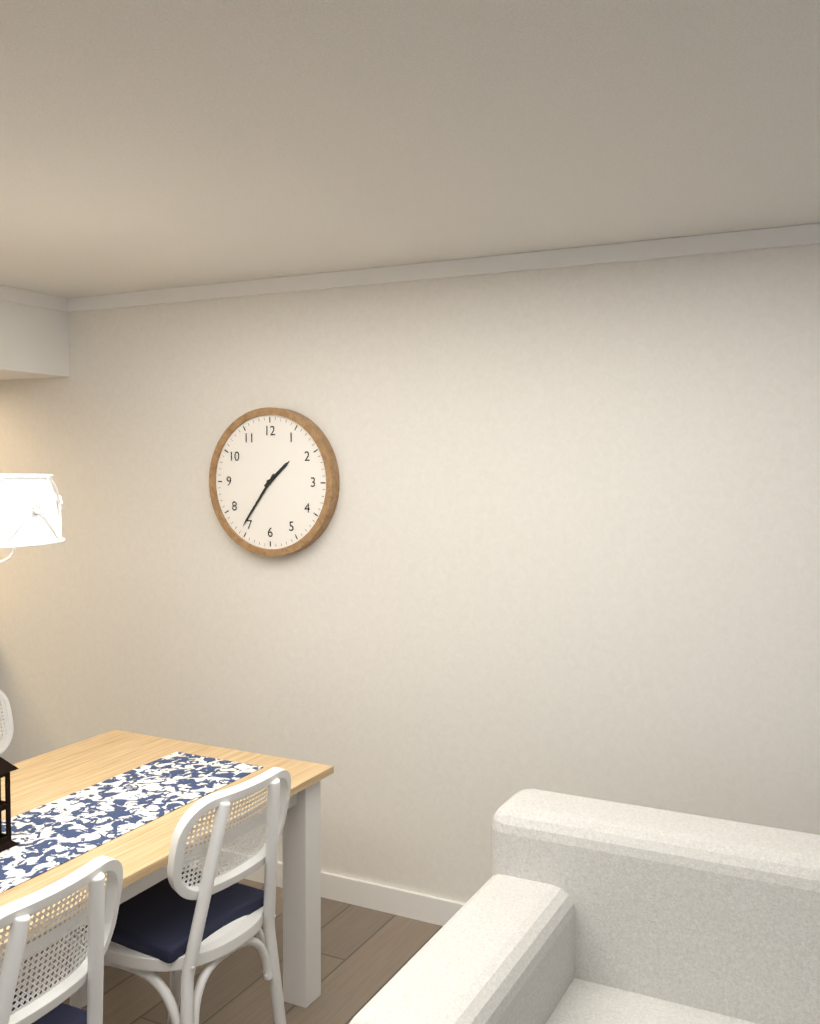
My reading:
**1:36**
